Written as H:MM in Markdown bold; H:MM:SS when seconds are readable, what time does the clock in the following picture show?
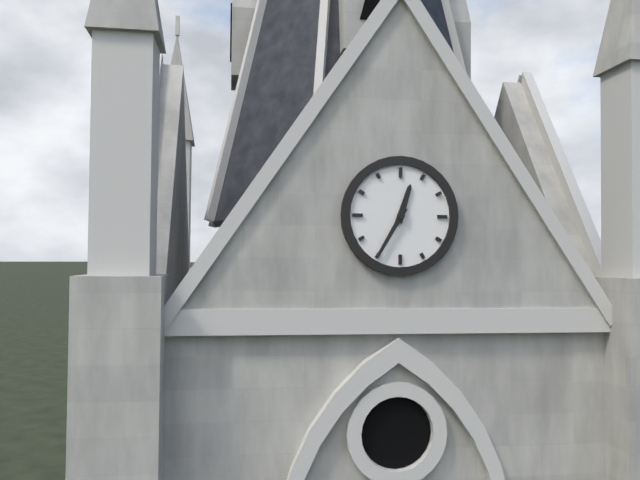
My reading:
**12:35**
